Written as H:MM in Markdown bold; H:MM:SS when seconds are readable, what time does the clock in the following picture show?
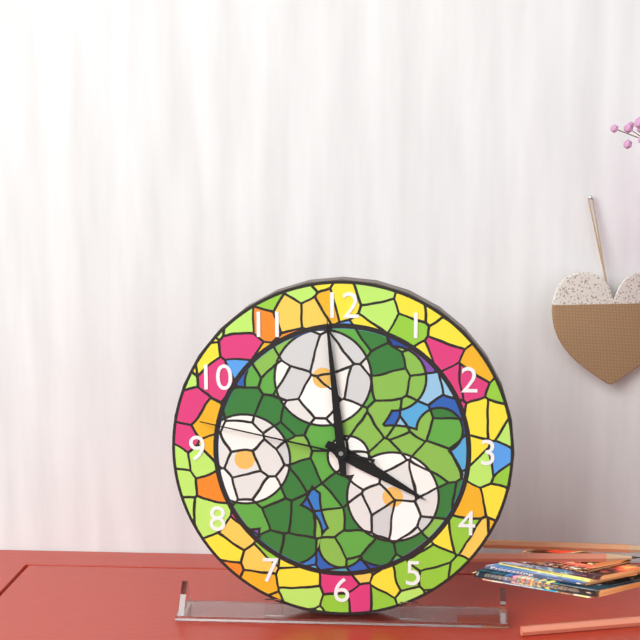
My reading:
**3:59:47**
